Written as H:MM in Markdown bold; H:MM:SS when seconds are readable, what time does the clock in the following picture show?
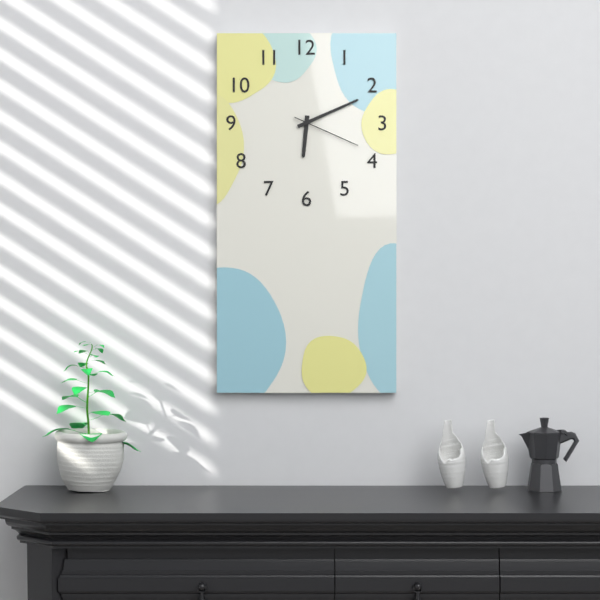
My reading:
**6:11:19**
